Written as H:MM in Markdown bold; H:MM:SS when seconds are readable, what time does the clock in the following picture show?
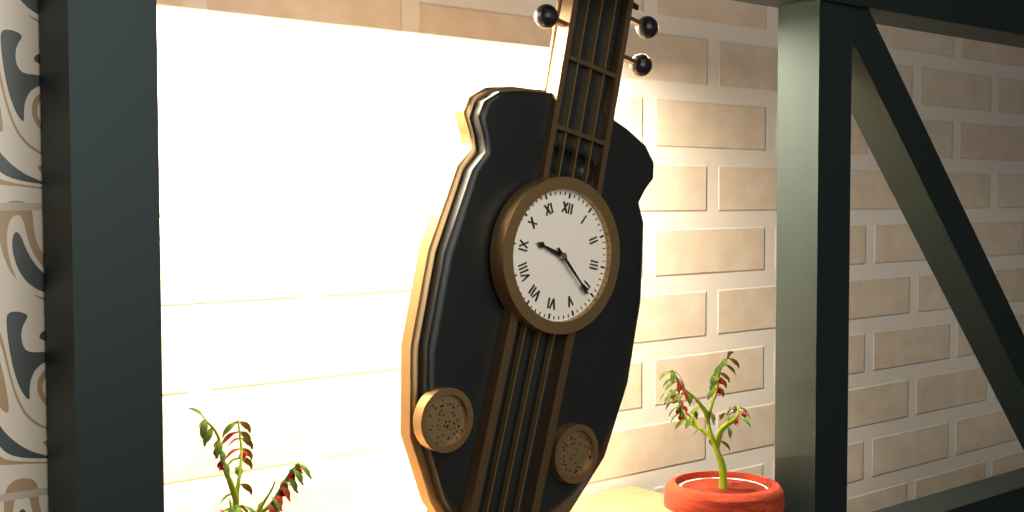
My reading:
**9:21**
